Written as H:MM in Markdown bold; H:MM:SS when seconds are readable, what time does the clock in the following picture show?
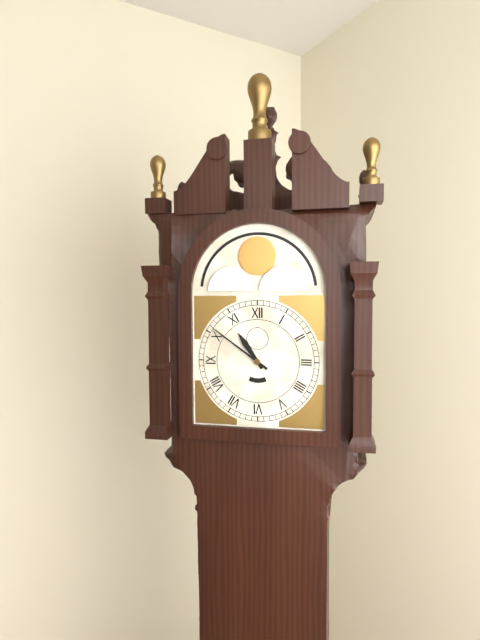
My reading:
**10:51**
